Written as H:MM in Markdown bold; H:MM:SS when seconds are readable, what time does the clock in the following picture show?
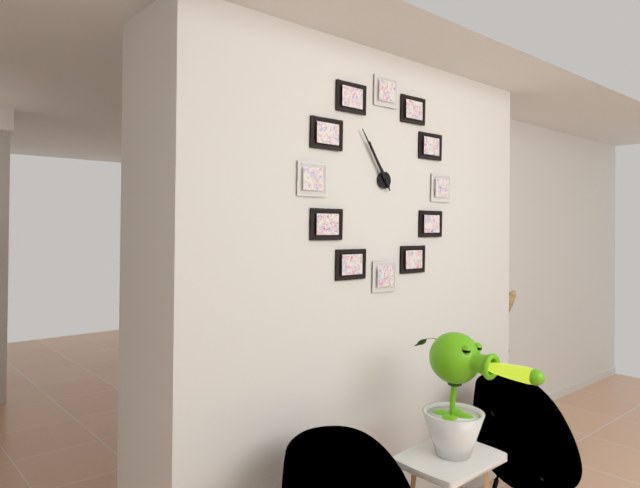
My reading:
**10:54**
